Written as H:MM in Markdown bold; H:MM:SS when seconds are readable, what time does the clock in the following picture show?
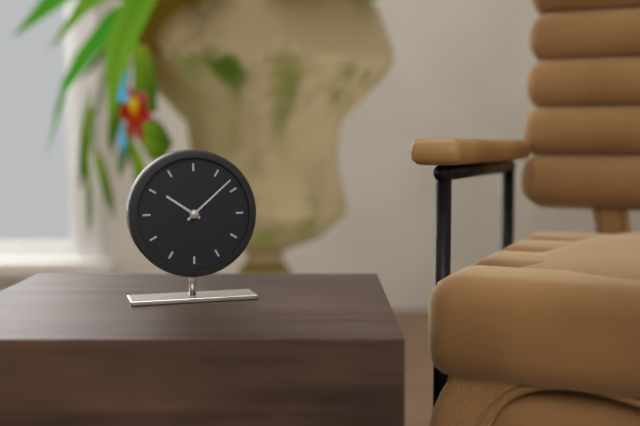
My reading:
**10:08**
